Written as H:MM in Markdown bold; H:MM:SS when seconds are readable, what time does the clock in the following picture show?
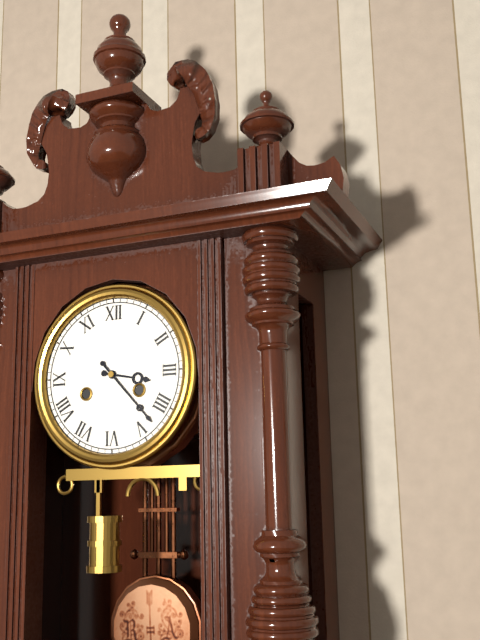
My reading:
**3:23**
